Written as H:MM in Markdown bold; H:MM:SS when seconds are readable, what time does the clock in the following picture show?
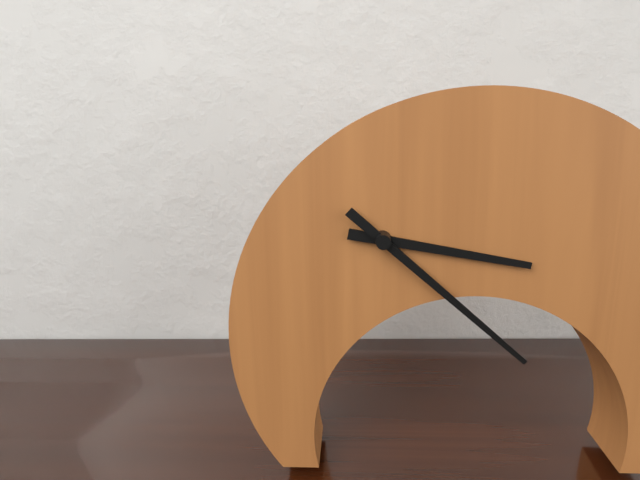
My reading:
**3:22**
